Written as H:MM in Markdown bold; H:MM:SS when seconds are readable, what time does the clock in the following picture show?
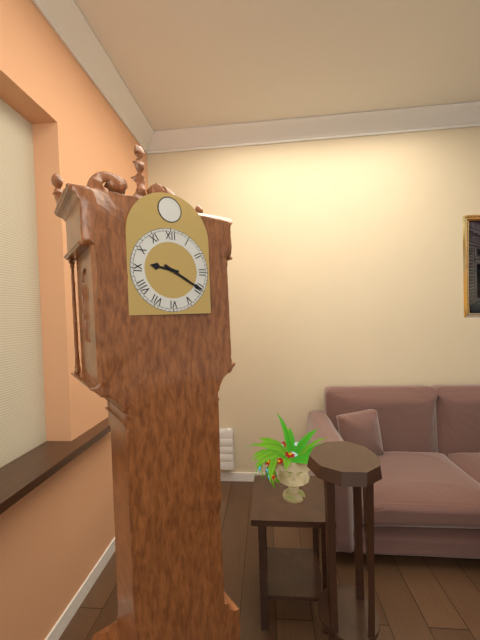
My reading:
**9:20**
